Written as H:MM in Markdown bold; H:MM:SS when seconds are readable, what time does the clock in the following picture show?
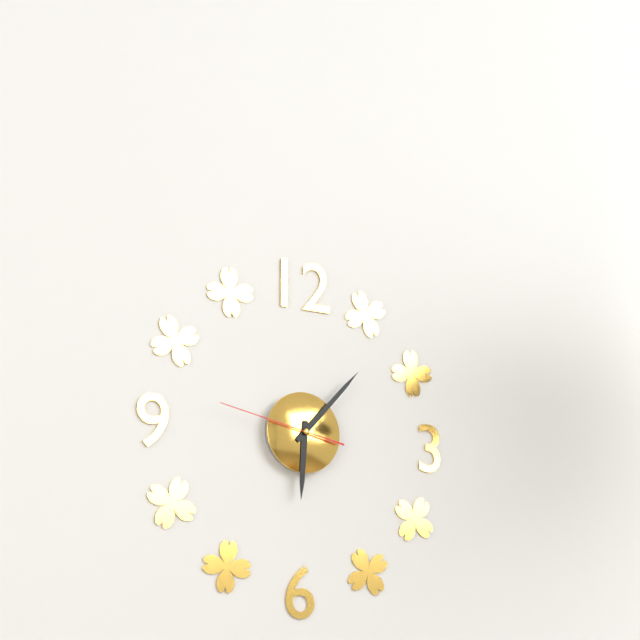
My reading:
**6:07:47**
